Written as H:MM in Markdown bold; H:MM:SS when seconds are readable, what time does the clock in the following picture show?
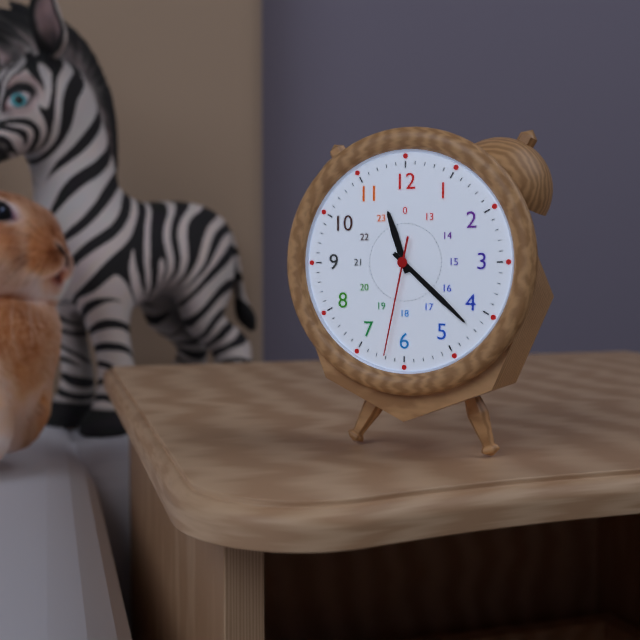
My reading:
**11:22:32**
